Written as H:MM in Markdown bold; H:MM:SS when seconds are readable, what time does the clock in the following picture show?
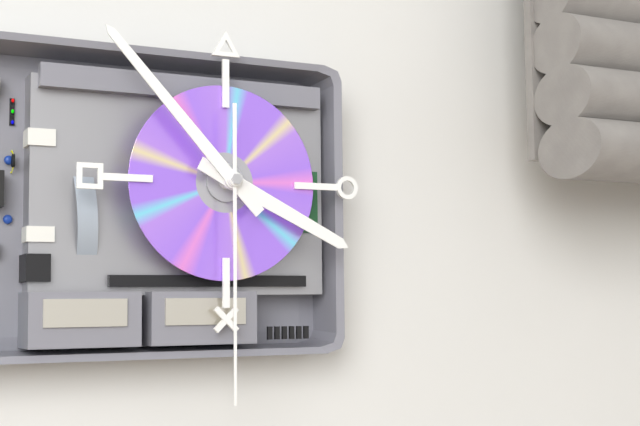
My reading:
**3:53:30**
